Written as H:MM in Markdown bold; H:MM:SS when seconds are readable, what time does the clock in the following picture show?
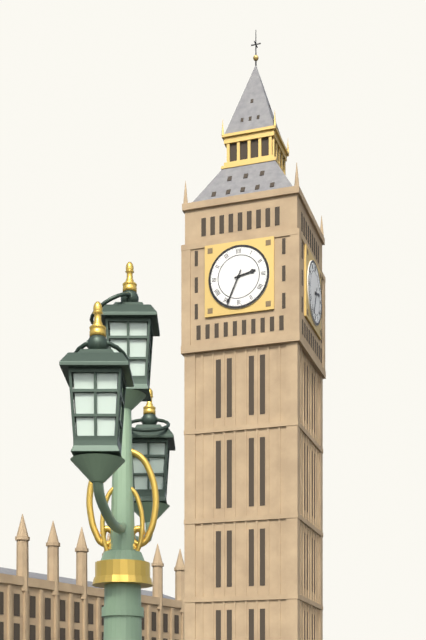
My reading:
**2:34**
